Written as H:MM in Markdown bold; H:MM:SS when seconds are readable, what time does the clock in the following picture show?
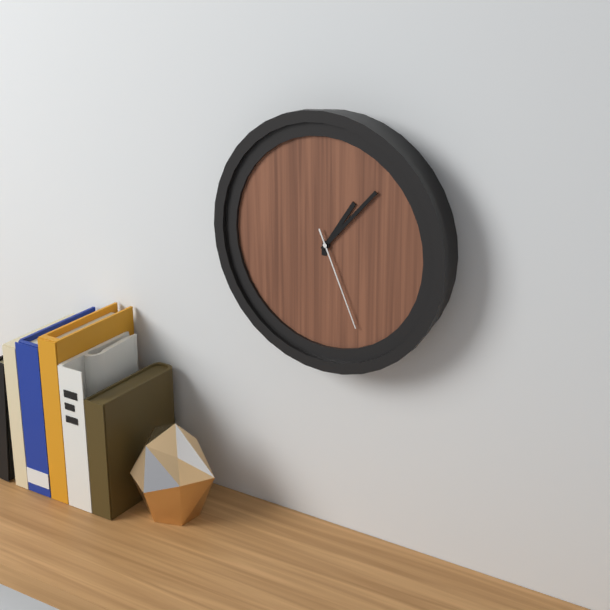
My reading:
**1:07:26**
